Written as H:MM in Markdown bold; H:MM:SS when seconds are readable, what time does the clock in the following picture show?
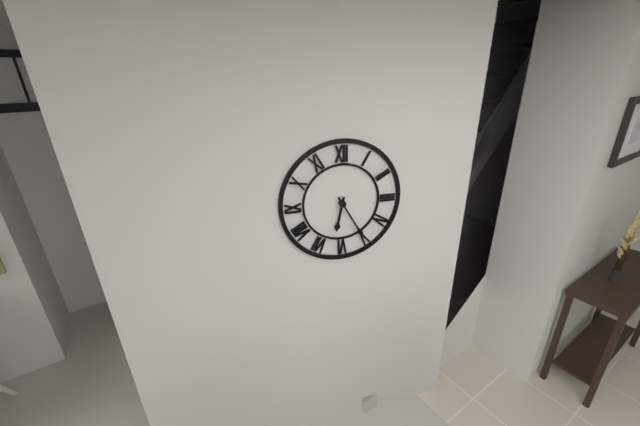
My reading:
**6:25**
